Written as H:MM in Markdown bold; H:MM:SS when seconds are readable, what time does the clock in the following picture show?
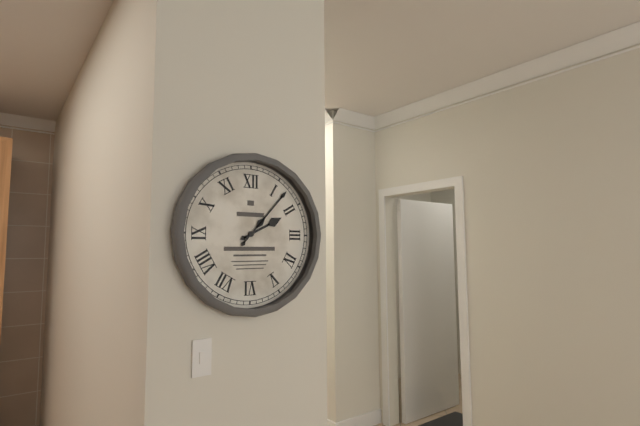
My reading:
**2:07**
